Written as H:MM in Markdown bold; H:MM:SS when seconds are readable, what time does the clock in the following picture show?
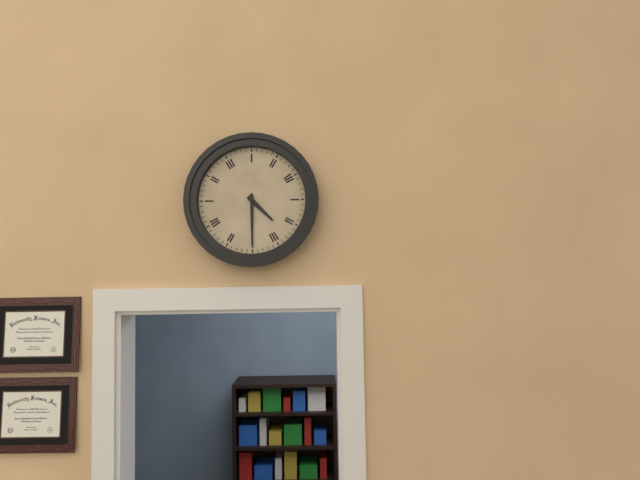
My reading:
**4:30**
